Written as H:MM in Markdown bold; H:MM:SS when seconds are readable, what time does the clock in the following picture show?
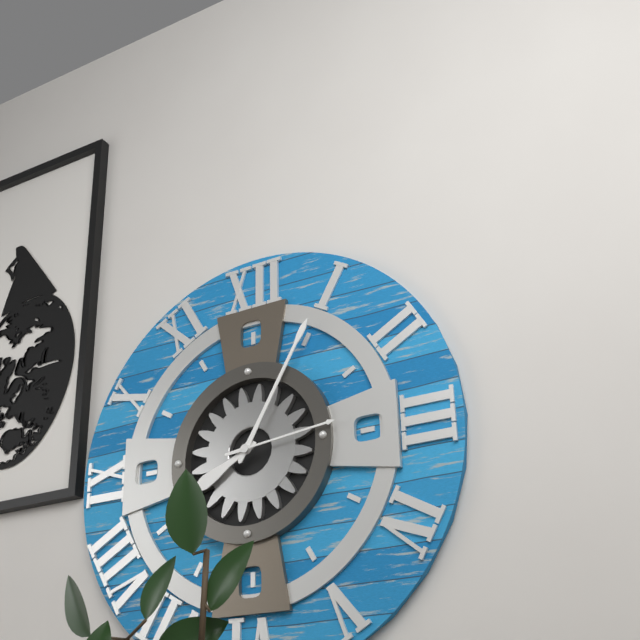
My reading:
**8:05:14**
